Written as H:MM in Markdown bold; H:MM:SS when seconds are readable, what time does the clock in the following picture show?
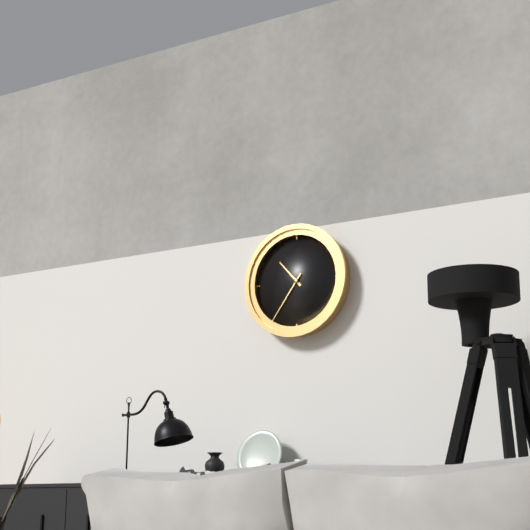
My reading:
**10:36**
